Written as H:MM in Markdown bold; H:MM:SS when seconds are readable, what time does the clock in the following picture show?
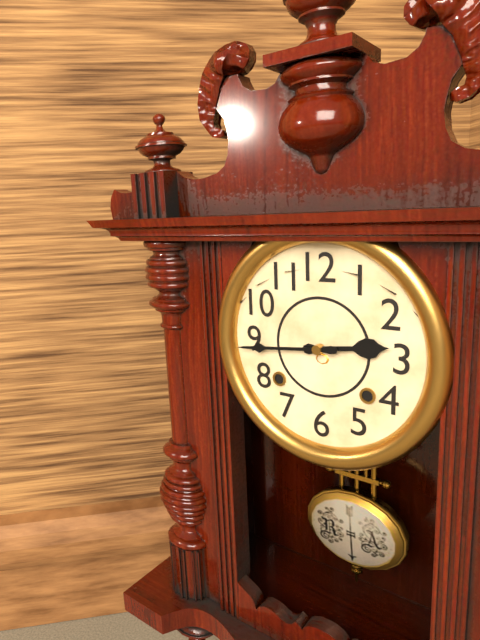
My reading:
**2:44**
